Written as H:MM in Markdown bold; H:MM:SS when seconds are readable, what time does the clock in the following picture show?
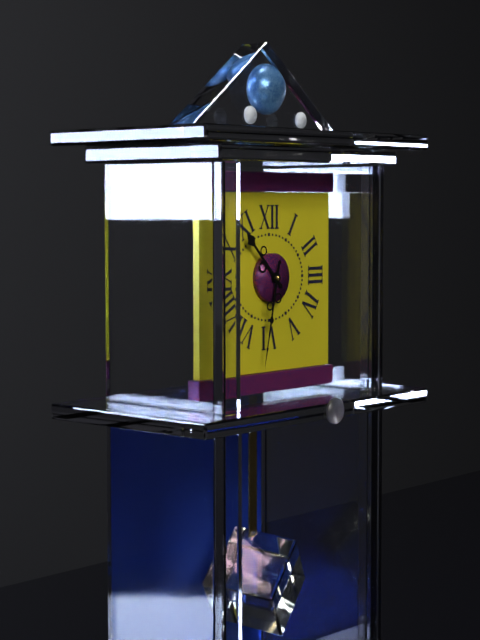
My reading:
**10:32**
